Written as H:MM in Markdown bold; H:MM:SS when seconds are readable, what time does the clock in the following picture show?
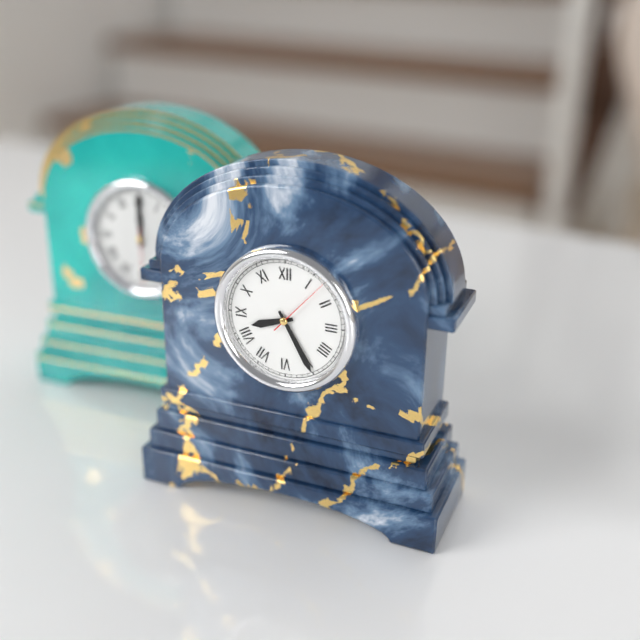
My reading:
**8:25:07**
